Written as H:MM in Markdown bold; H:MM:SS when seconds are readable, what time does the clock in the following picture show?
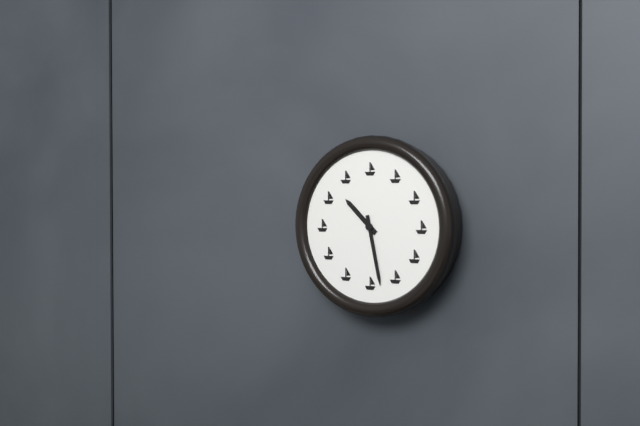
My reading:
**10:28**
